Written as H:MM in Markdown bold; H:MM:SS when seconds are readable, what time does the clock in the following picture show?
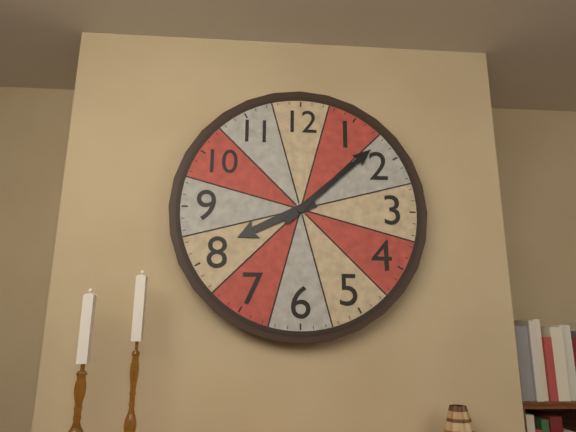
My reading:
**8:08**
